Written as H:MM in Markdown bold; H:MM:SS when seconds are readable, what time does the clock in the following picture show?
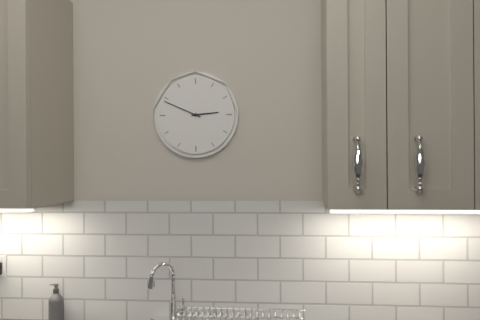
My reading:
**2:49**
